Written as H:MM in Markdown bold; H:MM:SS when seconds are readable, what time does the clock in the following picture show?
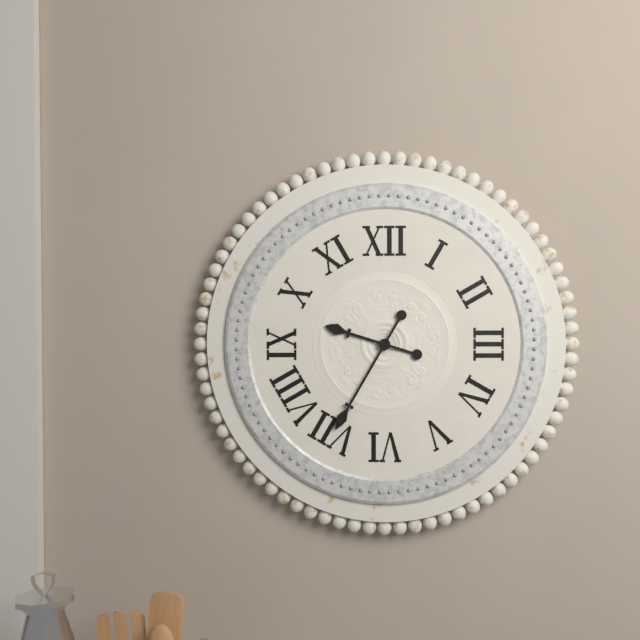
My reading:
**9:35**
